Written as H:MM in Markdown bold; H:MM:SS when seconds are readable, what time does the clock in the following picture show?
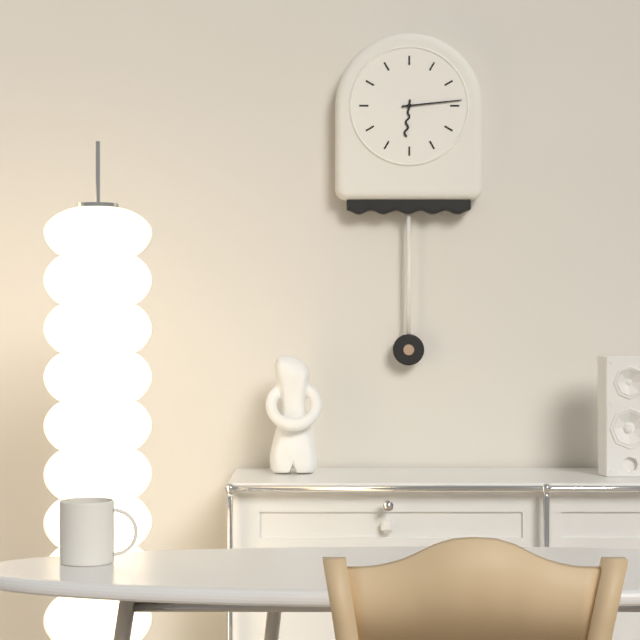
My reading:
**6:14**
